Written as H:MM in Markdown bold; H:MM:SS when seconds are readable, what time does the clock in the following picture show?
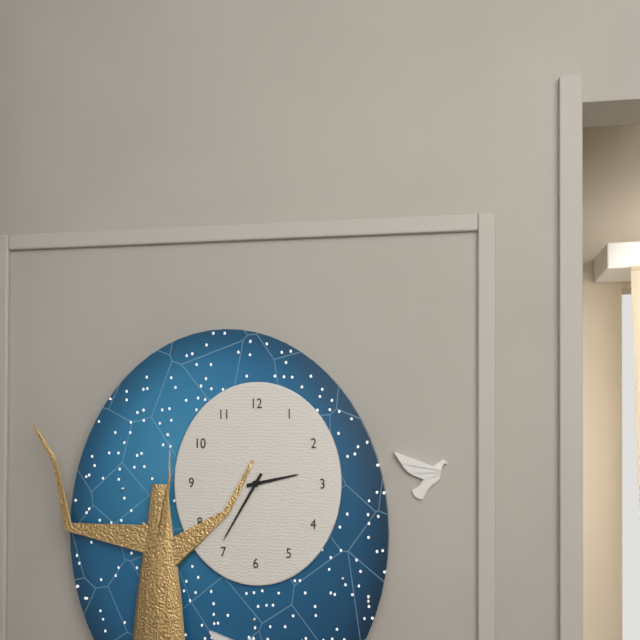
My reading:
**2:35**
